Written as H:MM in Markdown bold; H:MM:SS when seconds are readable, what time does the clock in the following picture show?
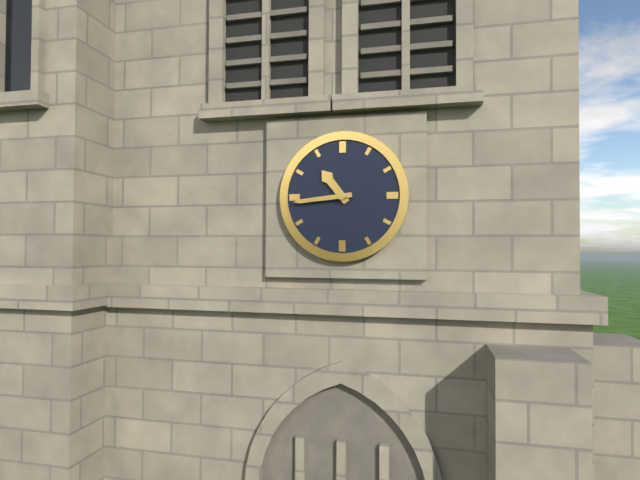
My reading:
**10:44**
